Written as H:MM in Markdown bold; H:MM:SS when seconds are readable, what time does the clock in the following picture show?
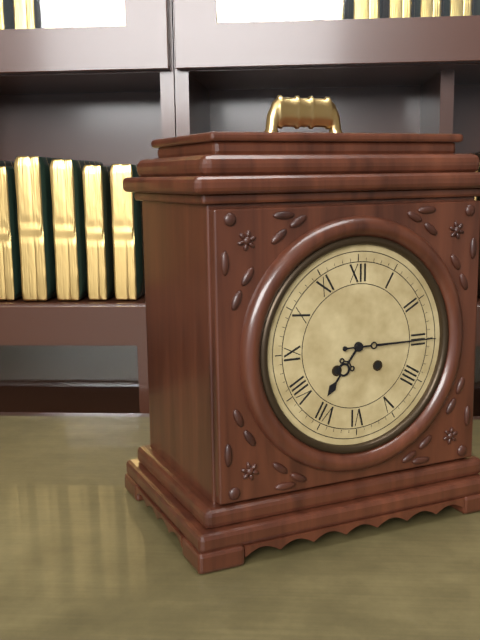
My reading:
**7:15**
